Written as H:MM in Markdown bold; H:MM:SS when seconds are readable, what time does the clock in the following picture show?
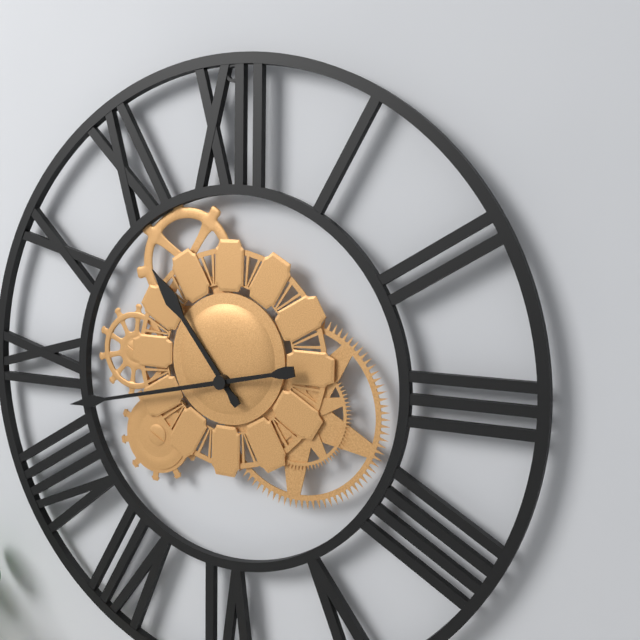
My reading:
**10:43**
